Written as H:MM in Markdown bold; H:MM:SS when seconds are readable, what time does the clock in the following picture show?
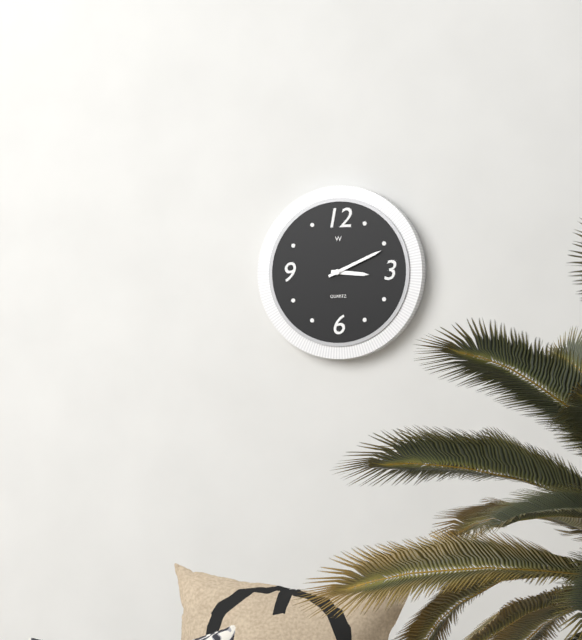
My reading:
**3:11**
